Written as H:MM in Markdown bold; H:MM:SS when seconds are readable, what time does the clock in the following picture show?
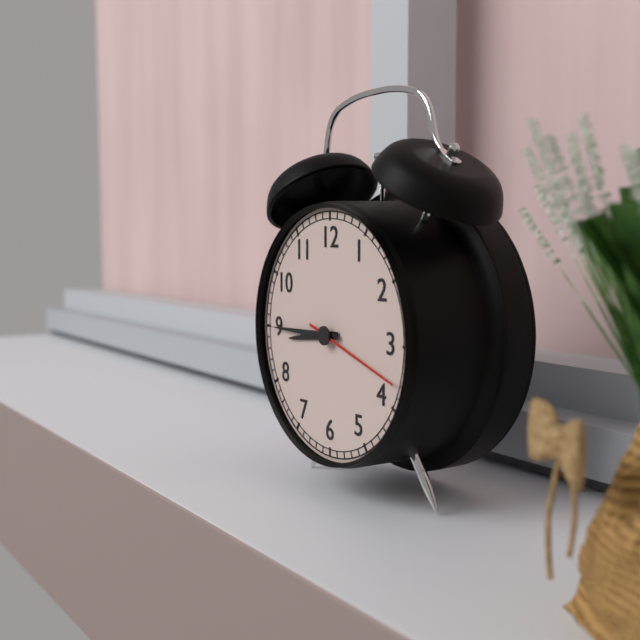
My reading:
**8:45:18**
